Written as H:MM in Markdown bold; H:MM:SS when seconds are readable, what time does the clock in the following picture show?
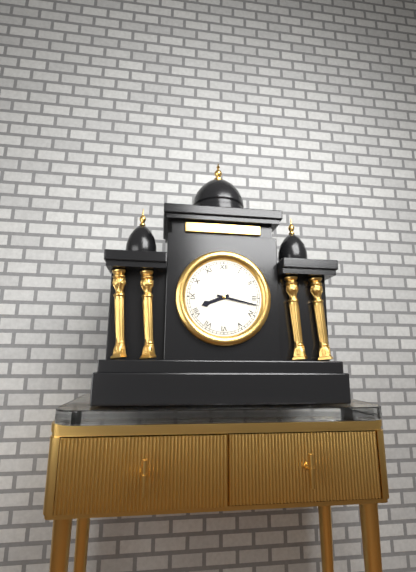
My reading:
**8:17**
